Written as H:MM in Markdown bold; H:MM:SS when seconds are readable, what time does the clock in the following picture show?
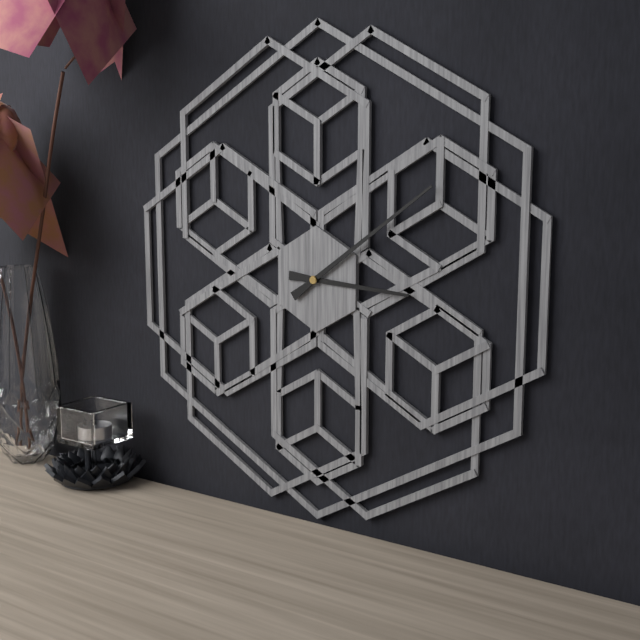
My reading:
**3:09**
